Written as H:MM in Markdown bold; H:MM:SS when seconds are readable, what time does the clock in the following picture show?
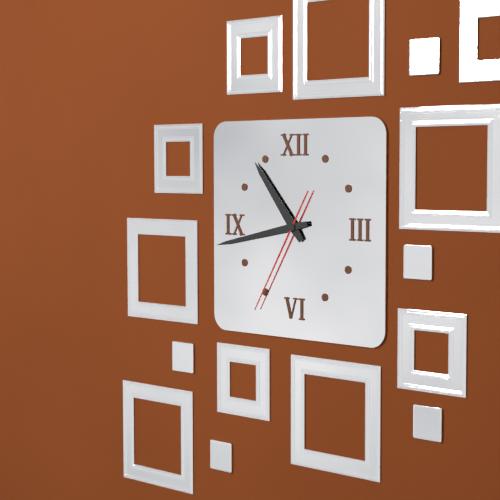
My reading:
**10:43:35**
